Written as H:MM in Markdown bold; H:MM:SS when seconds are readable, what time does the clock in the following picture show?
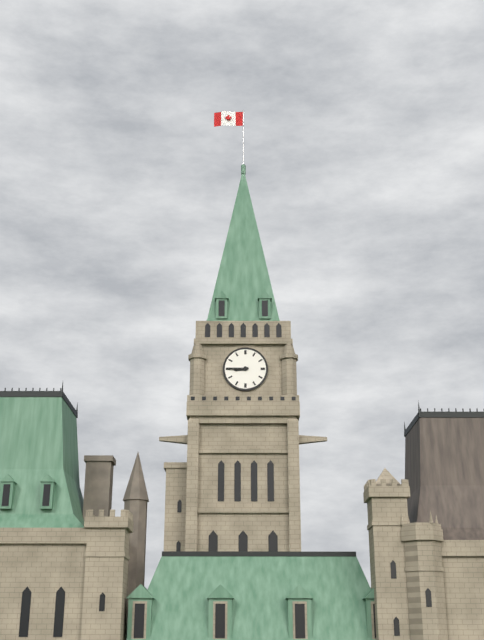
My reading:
**8:45**
